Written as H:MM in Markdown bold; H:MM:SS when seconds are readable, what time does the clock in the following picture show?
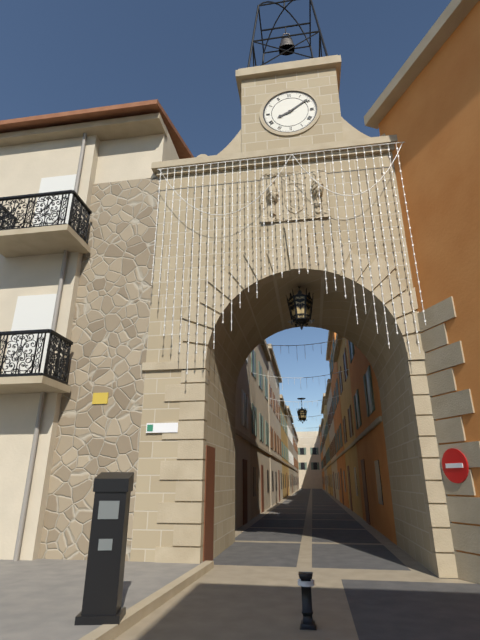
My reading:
**8:09**
